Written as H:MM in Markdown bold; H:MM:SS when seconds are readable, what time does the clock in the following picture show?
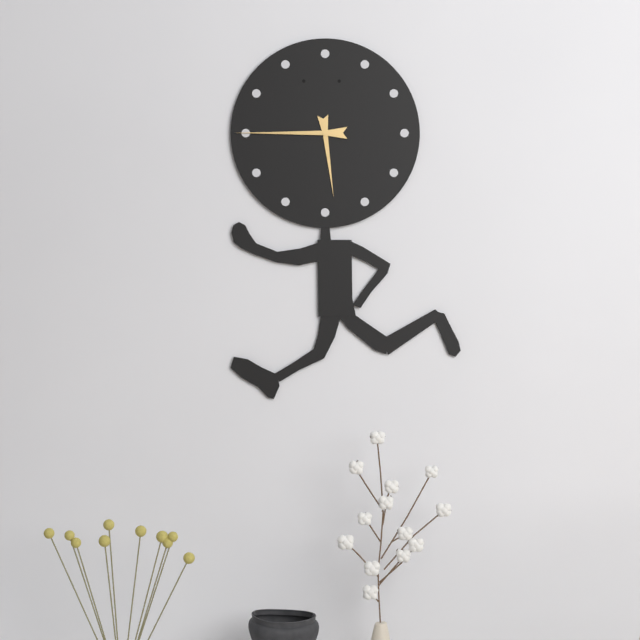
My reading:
**5:45**
